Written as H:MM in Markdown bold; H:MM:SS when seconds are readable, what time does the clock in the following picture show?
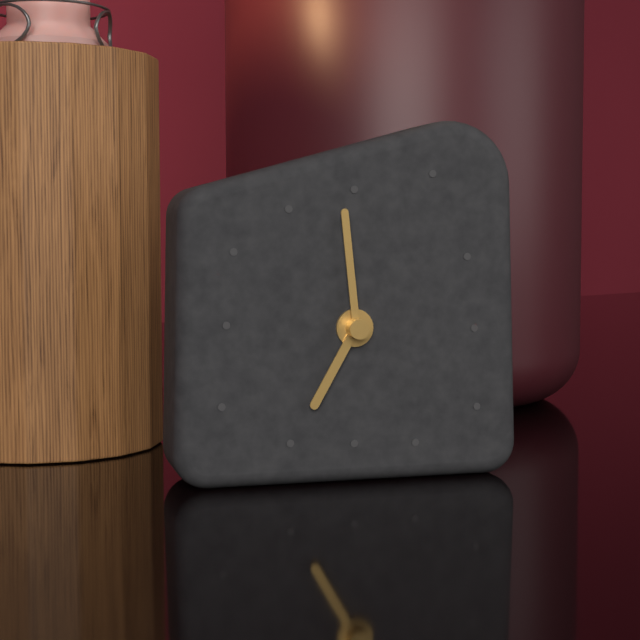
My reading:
**6:59**
